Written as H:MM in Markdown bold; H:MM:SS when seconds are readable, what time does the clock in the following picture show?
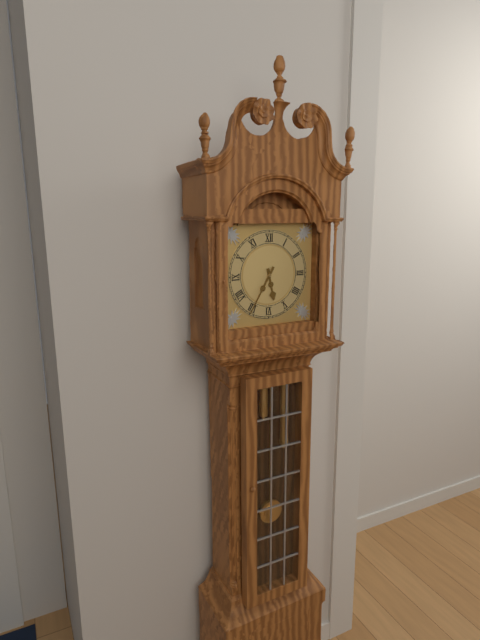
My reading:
**5:35**
